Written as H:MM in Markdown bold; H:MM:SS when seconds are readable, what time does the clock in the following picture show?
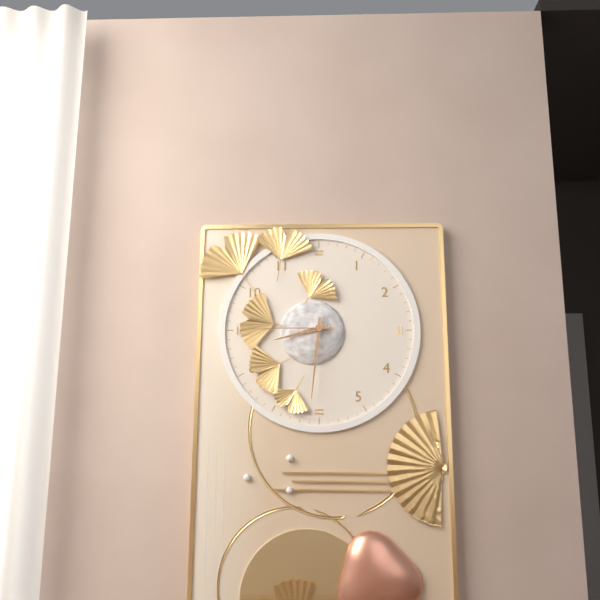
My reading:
**8:31:45**
